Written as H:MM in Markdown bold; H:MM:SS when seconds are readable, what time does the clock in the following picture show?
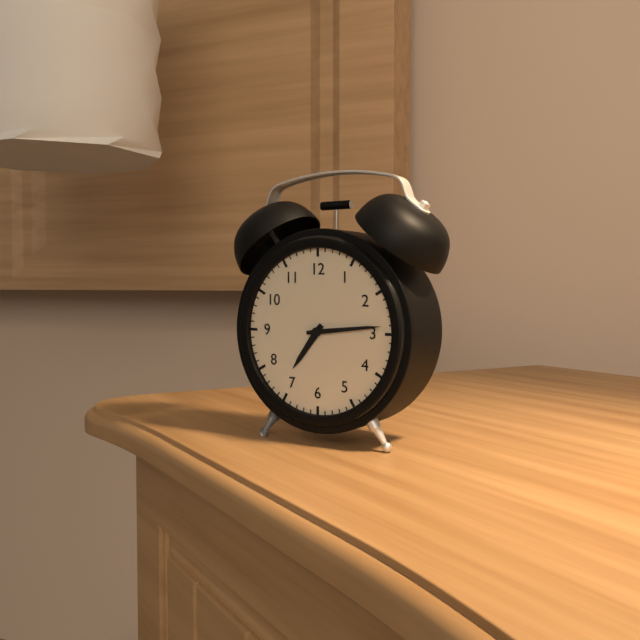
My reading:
**7:14**
